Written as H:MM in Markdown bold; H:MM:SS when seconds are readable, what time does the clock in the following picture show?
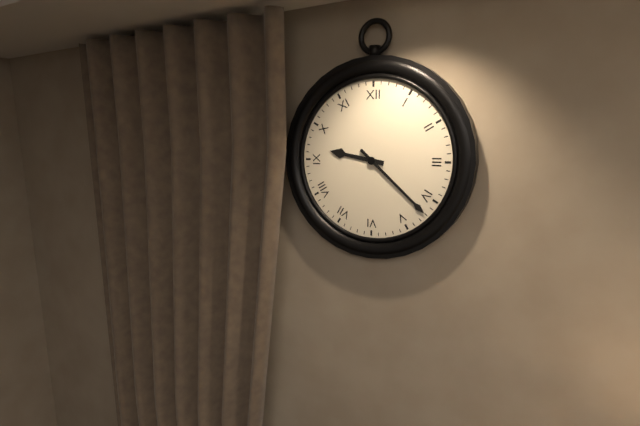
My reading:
**9:22**
